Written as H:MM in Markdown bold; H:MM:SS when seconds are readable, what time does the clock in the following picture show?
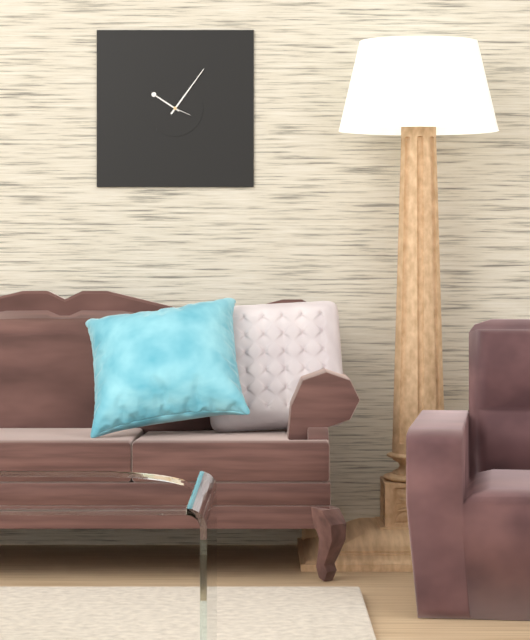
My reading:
**10:06**
